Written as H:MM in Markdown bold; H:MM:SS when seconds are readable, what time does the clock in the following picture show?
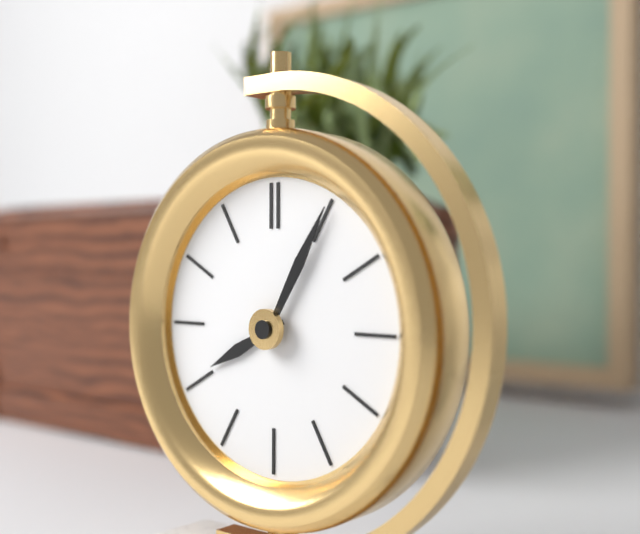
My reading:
**8:05**
